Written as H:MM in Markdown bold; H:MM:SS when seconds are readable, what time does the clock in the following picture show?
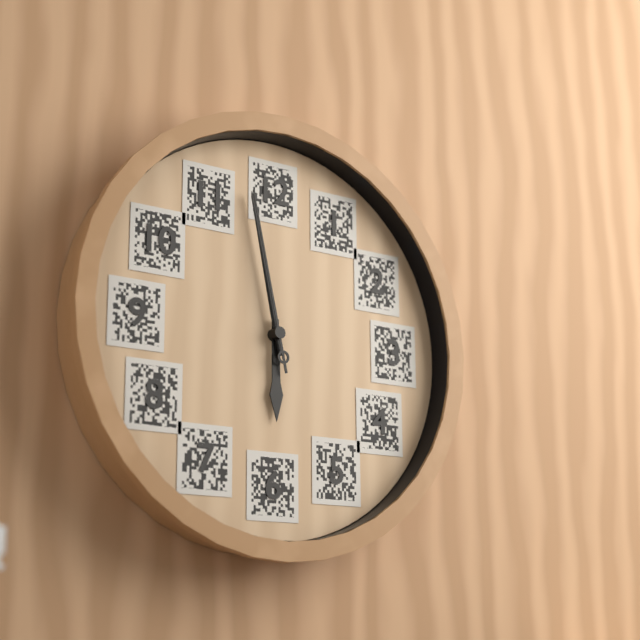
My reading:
**5:58:58**
